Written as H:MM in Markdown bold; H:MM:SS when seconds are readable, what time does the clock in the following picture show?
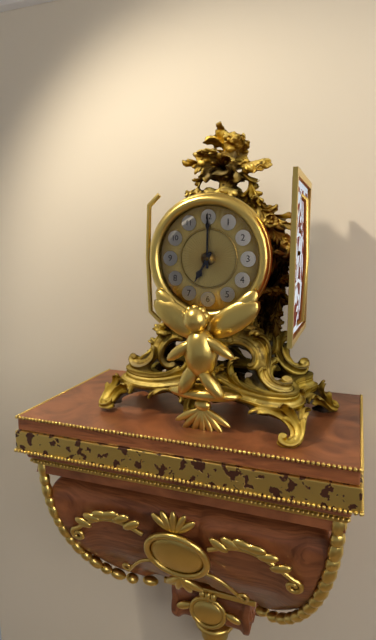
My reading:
**7:00**
